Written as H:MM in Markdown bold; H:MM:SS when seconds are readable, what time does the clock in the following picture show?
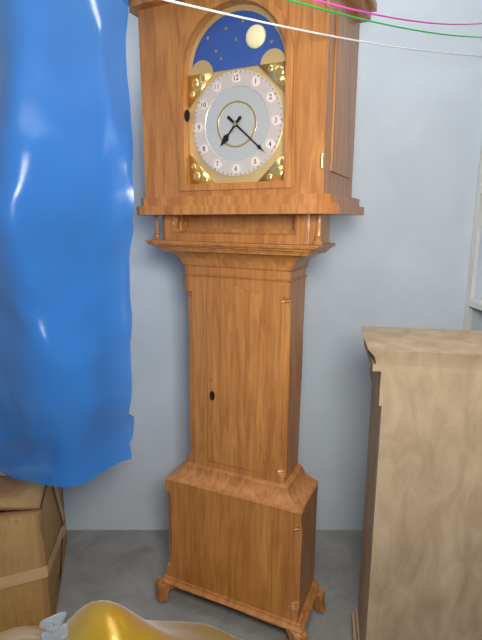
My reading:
**7:22**
